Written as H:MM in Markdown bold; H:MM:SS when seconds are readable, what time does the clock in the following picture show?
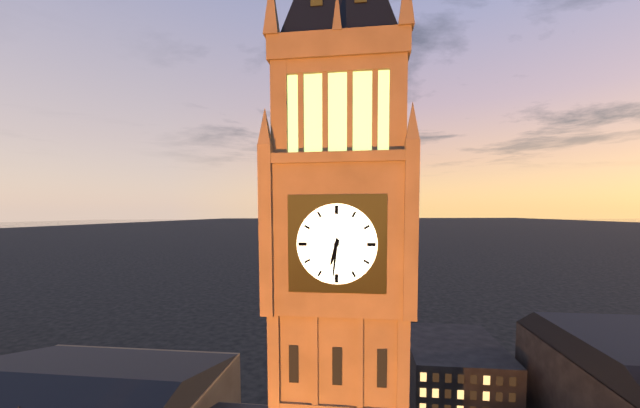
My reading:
**6:31**
